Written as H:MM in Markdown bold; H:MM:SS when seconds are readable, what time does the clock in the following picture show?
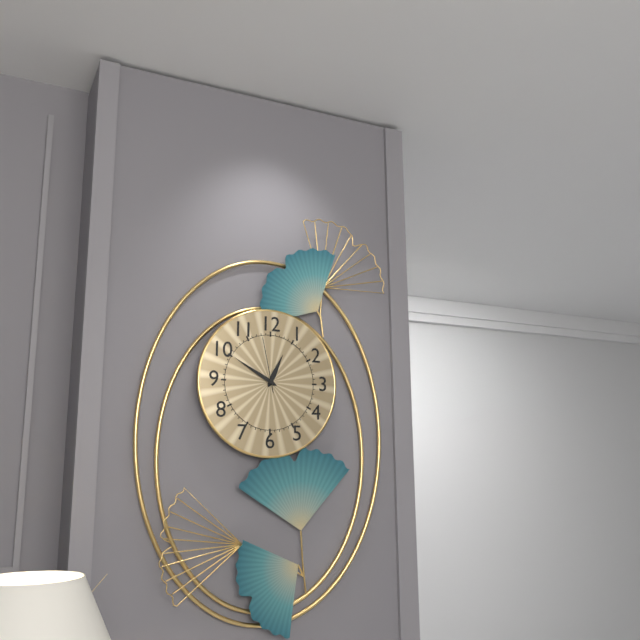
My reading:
**12:50:58**
